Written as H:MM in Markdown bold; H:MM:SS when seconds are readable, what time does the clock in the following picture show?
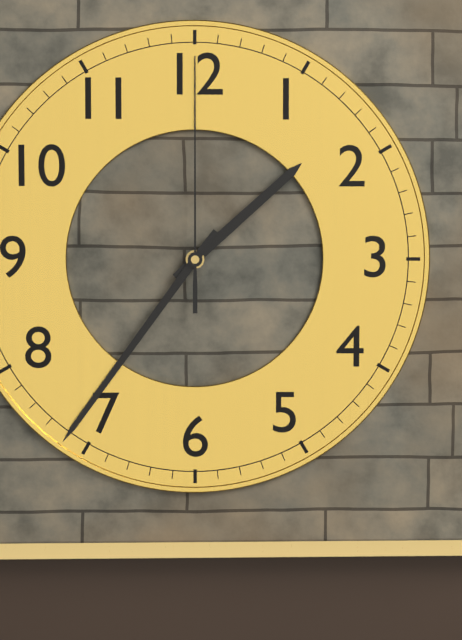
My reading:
**1:36:00**
